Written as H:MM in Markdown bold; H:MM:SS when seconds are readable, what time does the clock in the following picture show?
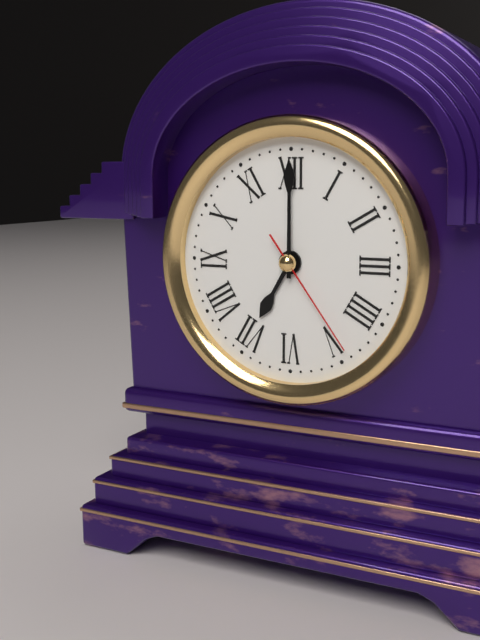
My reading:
**7:00:24**
